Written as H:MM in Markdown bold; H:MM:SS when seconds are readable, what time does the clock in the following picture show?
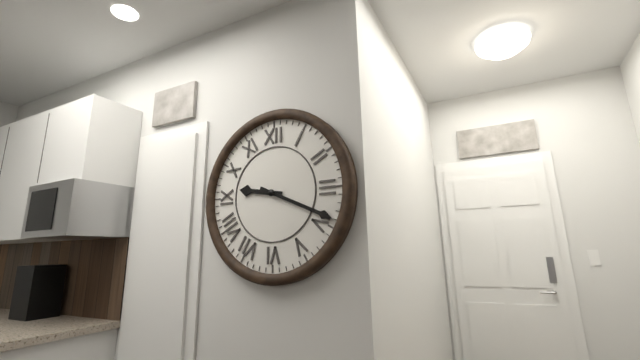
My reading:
**9:19**
